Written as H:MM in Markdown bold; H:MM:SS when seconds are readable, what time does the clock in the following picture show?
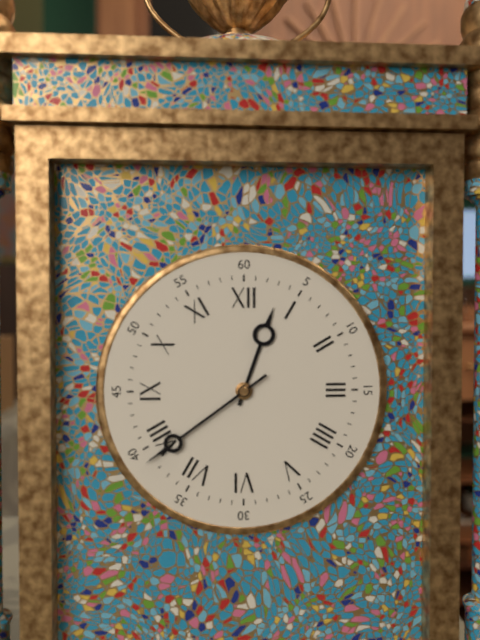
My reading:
**12:39**
